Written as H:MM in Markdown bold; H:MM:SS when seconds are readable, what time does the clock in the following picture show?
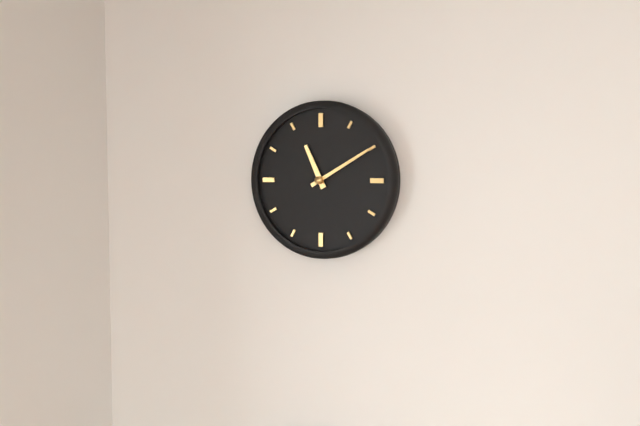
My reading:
**11:10**
